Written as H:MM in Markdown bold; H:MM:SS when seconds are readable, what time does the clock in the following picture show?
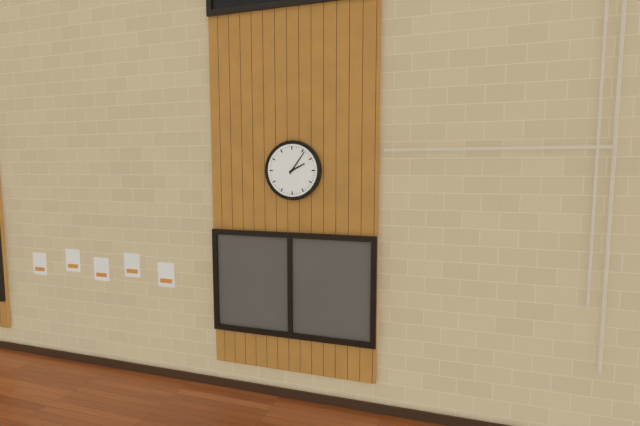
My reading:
**2:06**
